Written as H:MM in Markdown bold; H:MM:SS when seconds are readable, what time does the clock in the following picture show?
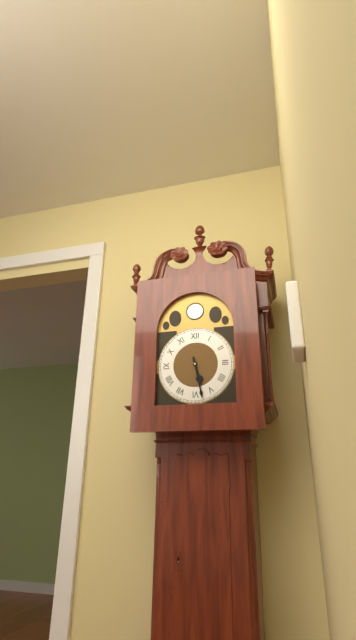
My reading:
**5:28**
